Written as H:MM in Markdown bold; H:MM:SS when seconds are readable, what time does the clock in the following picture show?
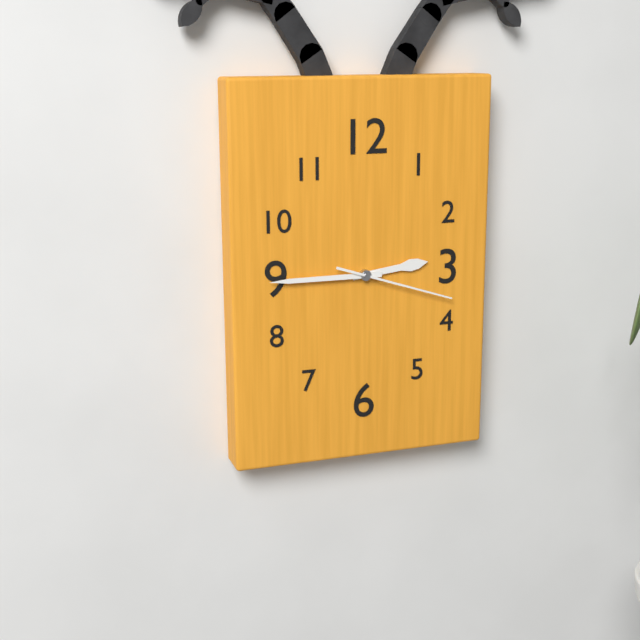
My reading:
**2:45:18**
